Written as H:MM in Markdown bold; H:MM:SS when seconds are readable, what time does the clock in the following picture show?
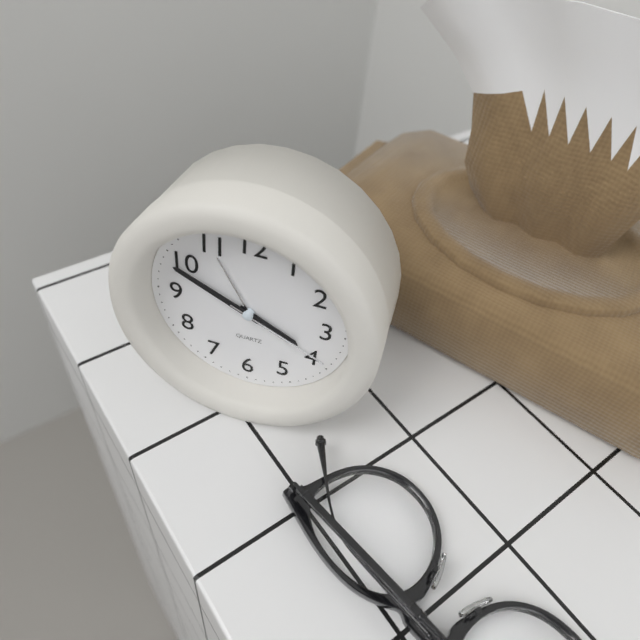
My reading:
**3:49:19**
